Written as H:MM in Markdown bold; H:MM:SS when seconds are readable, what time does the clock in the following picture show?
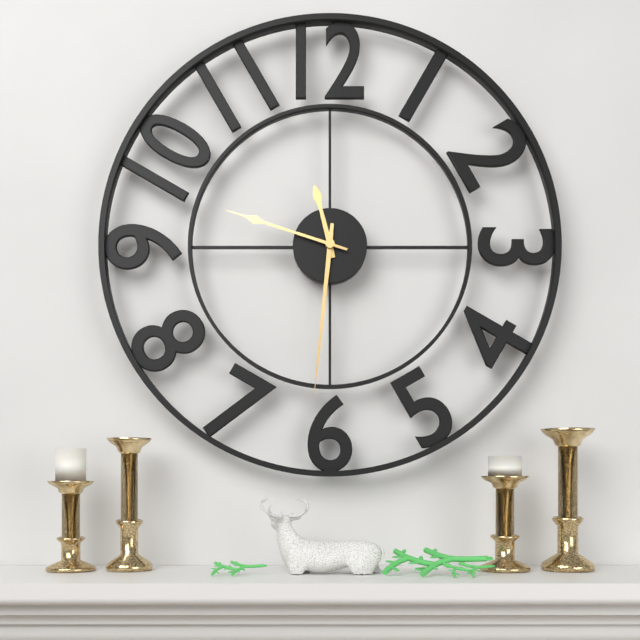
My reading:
**11:31:48**
